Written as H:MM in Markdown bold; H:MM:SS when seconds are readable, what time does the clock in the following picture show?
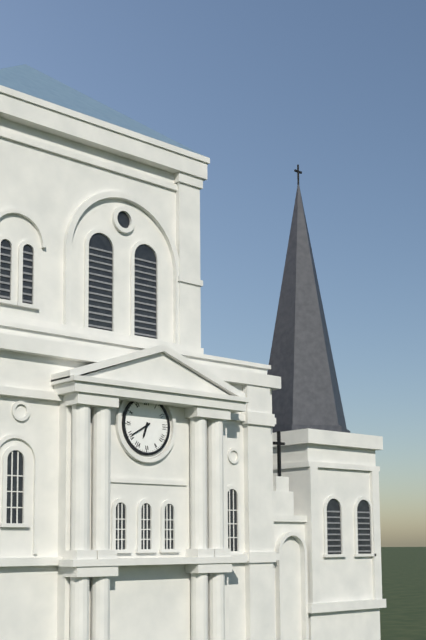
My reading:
**6:40**
